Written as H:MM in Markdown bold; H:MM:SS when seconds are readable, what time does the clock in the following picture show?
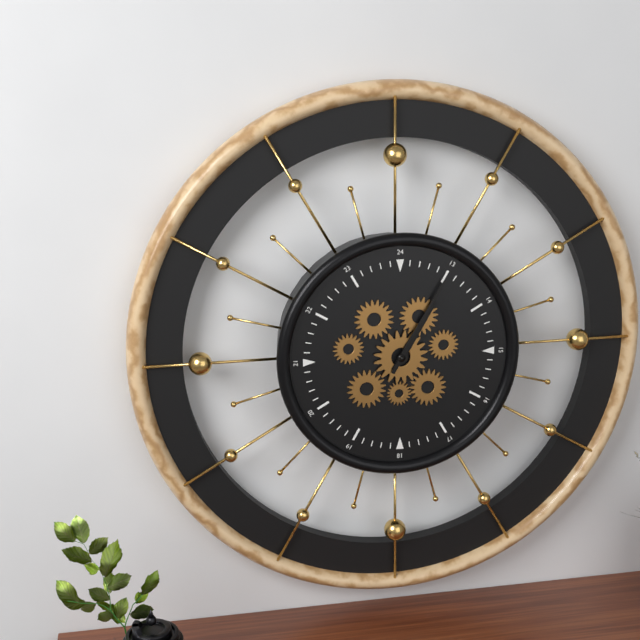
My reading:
**1:05**
